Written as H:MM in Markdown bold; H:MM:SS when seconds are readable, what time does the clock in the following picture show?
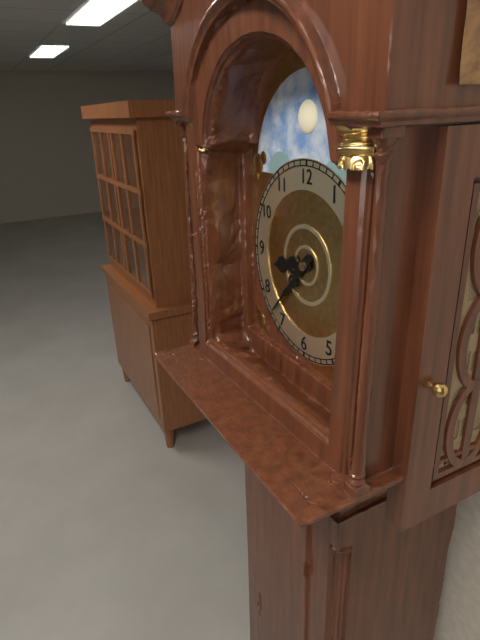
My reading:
**8:37**
